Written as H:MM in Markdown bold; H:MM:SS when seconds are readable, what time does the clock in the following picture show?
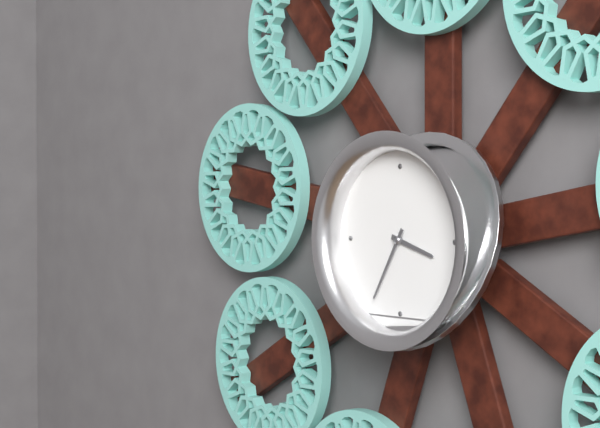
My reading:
**3:35**
